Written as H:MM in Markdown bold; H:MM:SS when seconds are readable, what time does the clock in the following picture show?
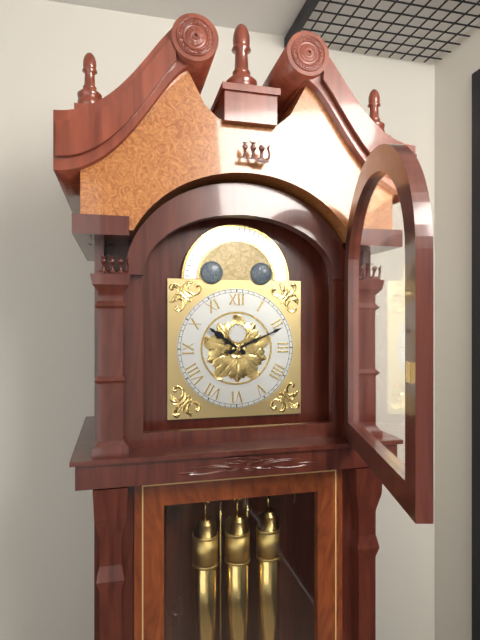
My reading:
**10:11**
